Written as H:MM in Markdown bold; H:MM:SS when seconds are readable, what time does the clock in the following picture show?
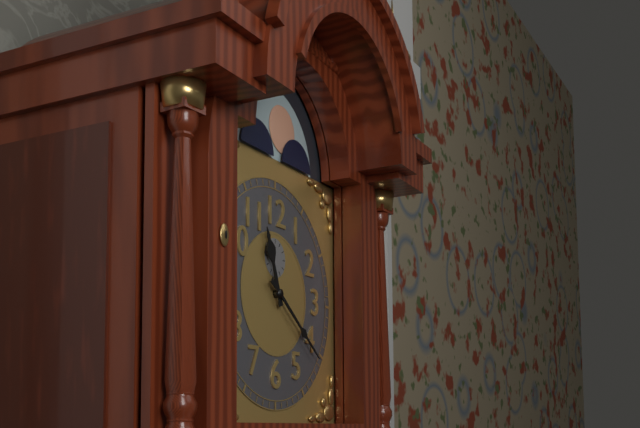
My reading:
**11:21**
